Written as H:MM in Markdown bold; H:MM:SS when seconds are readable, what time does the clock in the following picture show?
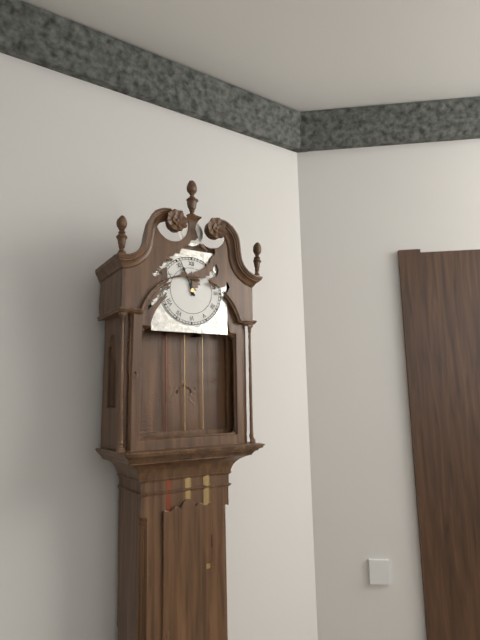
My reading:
**11:56**
